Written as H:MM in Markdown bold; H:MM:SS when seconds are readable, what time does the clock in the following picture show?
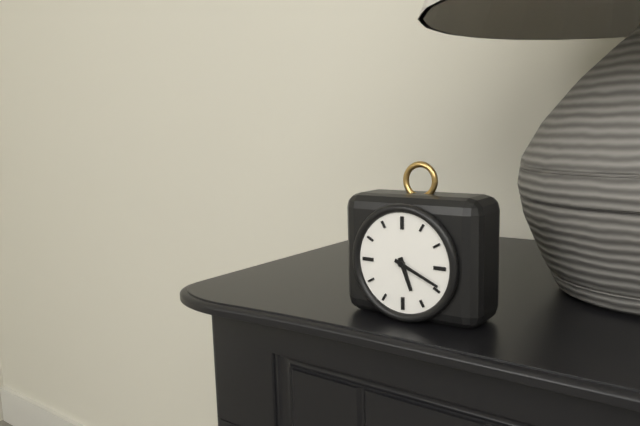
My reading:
**5:19**
